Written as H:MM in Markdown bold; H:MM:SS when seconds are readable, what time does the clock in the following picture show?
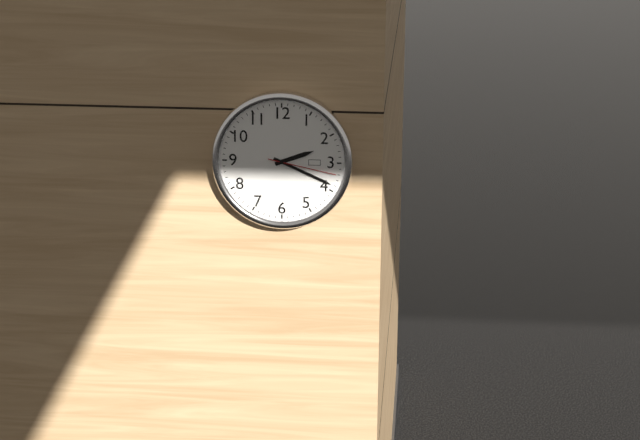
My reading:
**2:19:17**
